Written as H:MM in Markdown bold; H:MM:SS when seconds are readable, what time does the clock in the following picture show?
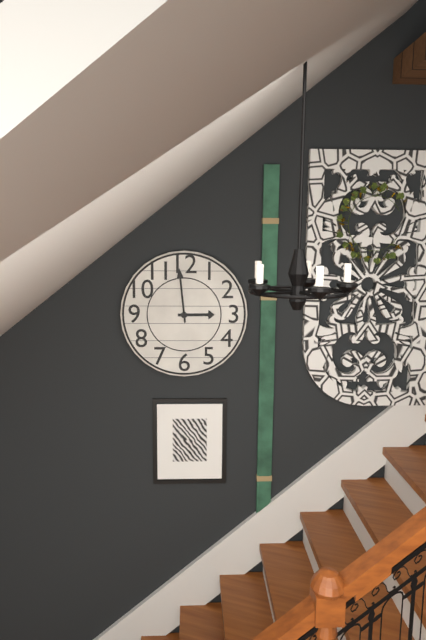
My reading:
**2:59**
